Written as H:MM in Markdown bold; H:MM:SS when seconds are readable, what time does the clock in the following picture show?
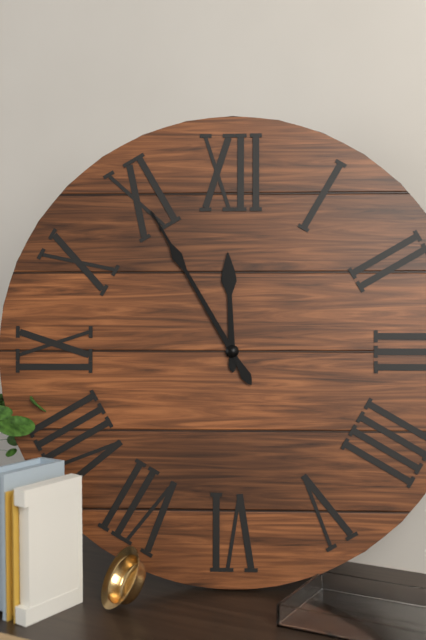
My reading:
**11:55**
